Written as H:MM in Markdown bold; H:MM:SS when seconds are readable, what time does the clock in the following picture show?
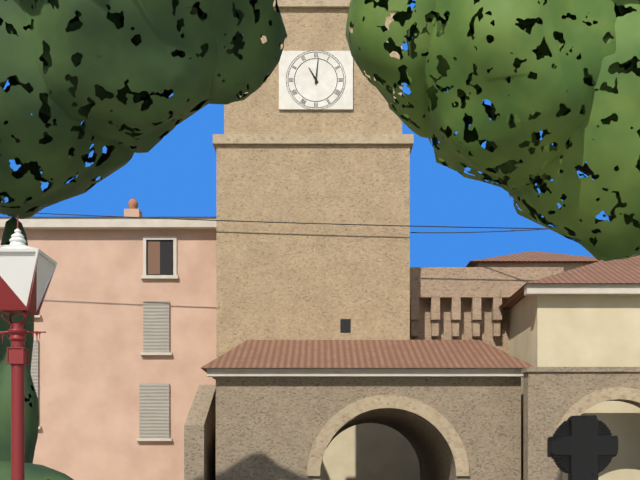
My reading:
**11:01**
